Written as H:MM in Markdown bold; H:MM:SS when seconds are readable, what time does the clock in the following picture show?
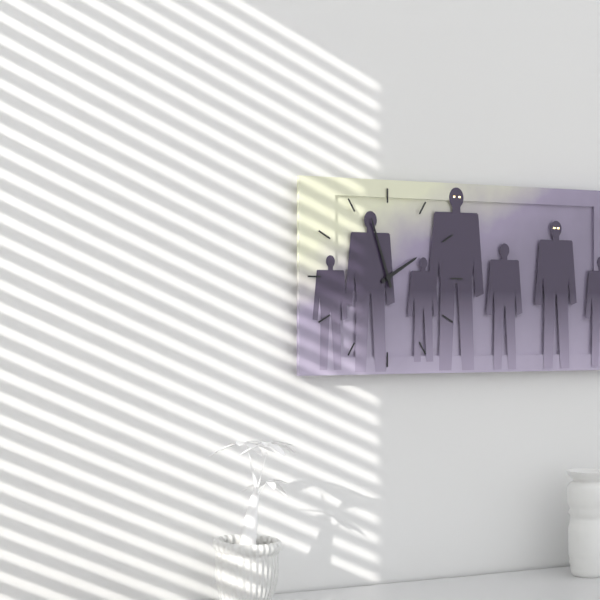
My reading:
**1:57**
